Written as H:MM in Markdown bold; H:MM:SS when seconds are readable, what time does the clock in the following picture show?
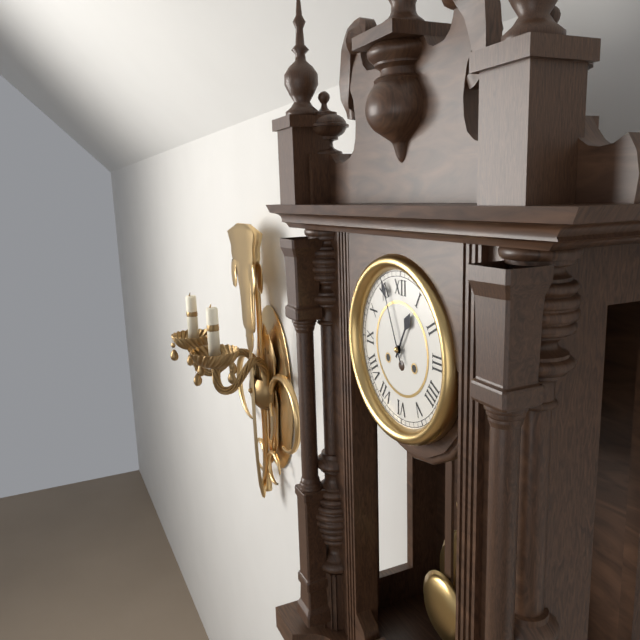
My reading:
**12:56**
